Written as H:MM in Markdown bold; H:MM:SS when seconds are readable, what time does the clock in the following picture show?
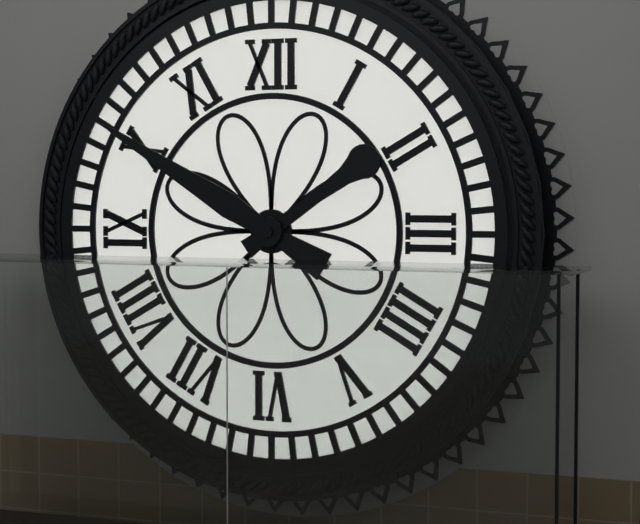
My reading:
**1:50**
